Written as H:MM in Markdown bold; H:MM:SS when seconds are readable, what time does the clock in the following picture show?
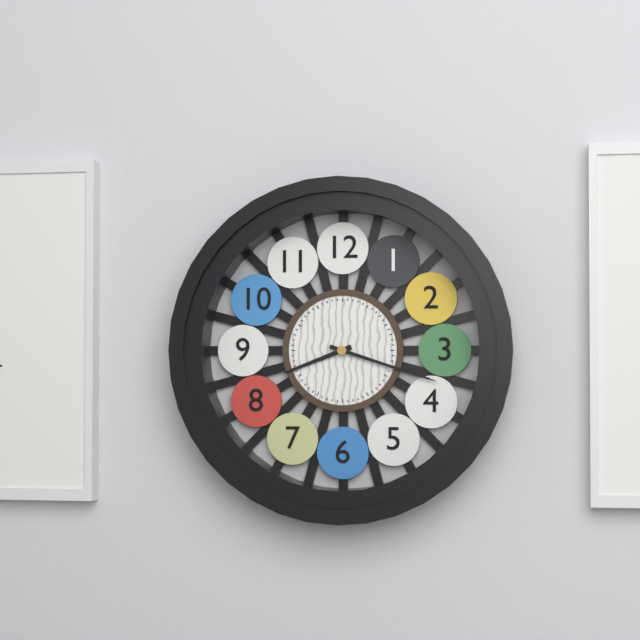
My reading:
**8:18**
